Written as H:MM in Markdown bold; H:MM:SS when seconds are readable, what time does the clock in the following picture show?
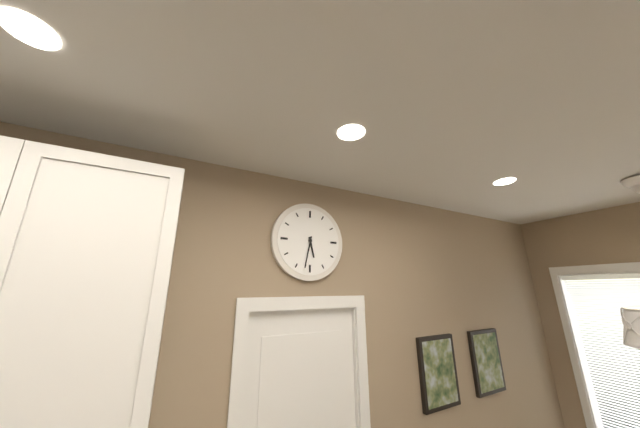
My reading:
**5:32**
